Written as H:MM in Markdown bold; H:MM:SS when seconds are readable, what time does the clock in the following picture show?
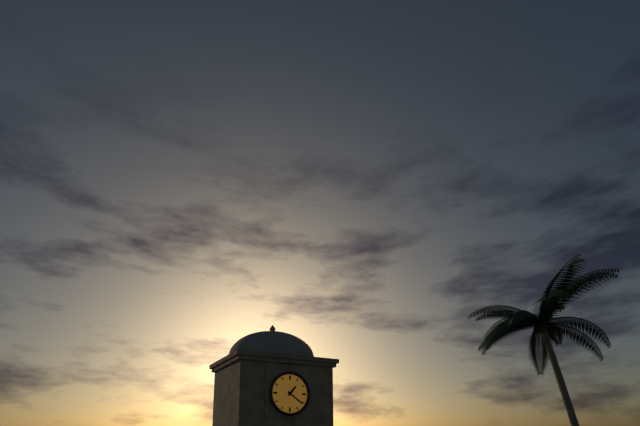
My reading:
**1:21**
